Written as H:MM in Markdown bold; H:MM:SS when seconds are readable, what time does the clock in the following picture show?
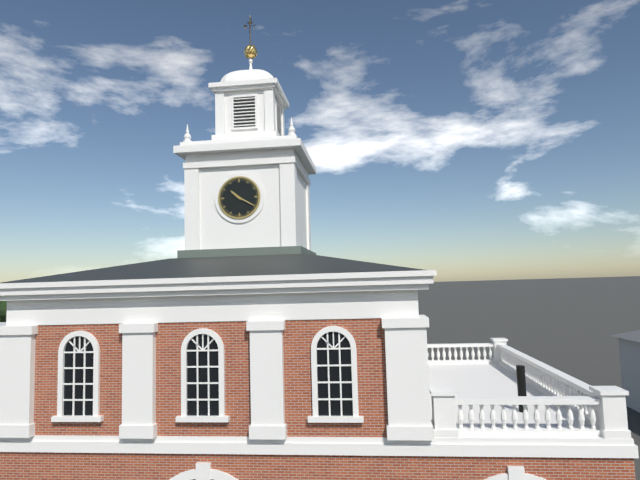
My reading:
**10:20**
